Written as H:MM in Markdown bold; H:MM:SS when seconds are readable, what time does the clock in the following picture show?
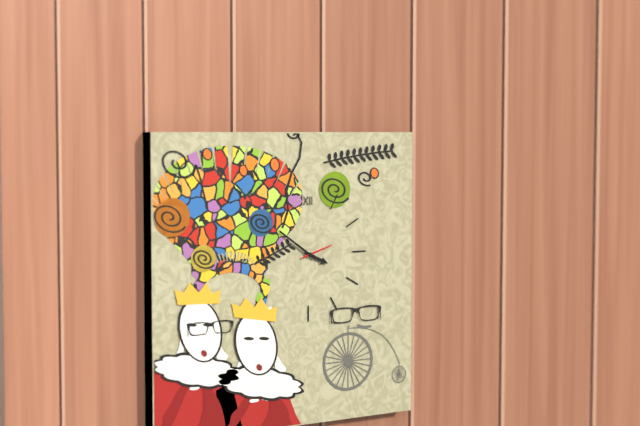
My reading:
**3:51**
